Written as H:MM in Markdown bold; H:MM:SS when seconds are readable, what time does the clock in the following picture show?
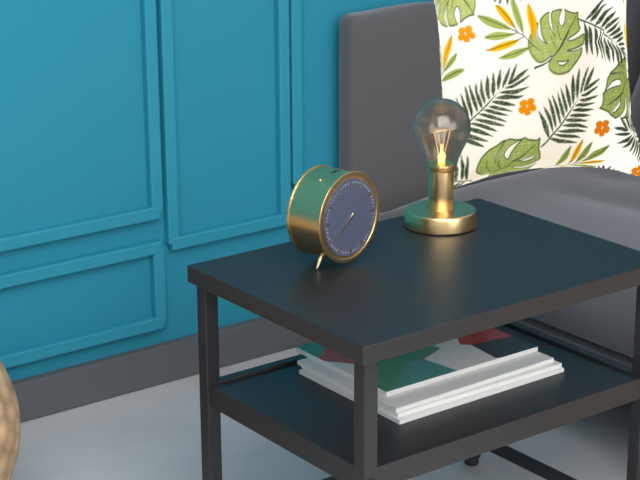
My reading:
**7:39**
